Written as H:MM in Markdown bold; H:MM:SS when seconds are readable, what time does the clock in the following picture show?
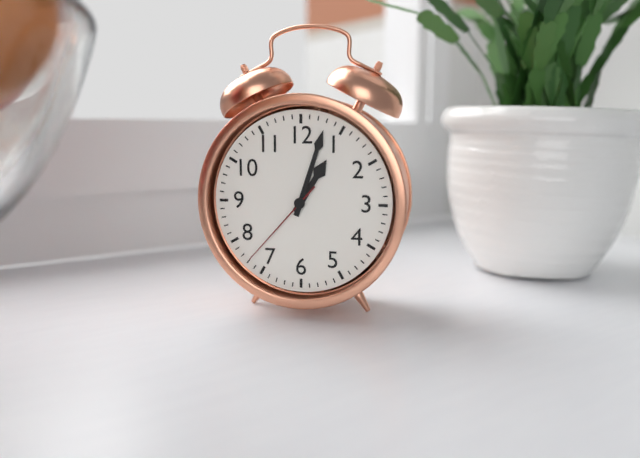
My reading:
**1:03:37**
